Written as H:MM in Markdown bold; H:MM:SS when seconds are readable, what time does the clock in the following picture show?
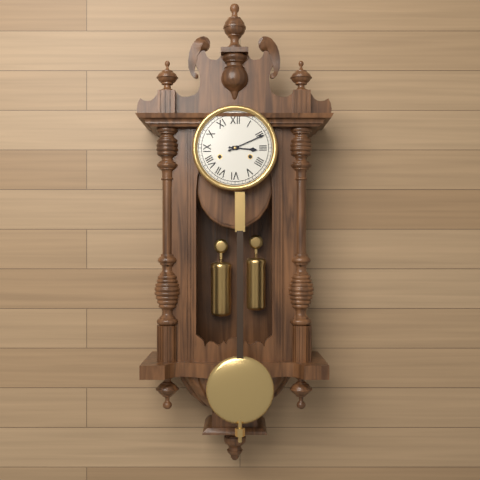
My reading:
**3:11**
